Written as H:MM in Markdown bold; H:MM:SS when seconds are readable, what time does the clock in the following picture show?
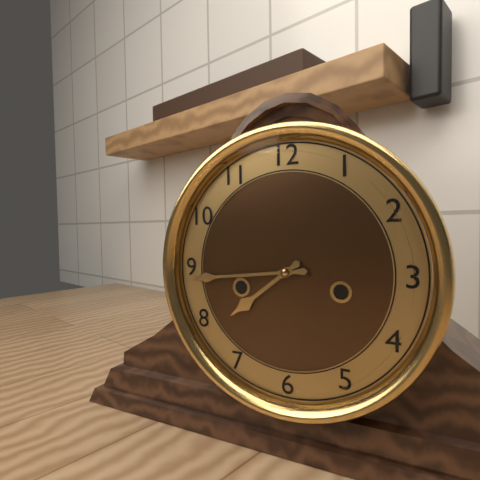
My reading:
**7:44**
